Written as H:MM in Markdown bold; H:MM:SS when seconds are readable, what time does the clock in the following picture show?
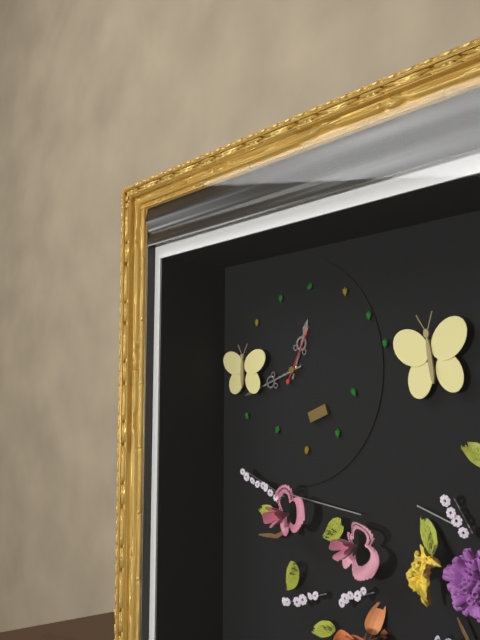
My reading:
**12:42:05**
